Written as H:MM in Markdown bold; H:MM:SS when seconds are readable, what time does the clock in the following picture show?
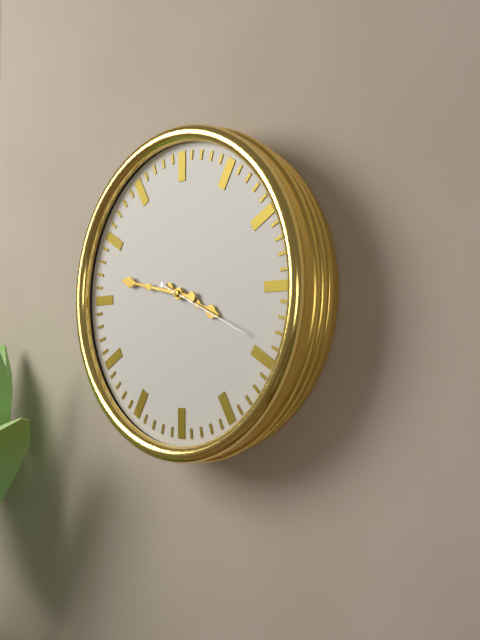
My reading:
**3:47:19**
